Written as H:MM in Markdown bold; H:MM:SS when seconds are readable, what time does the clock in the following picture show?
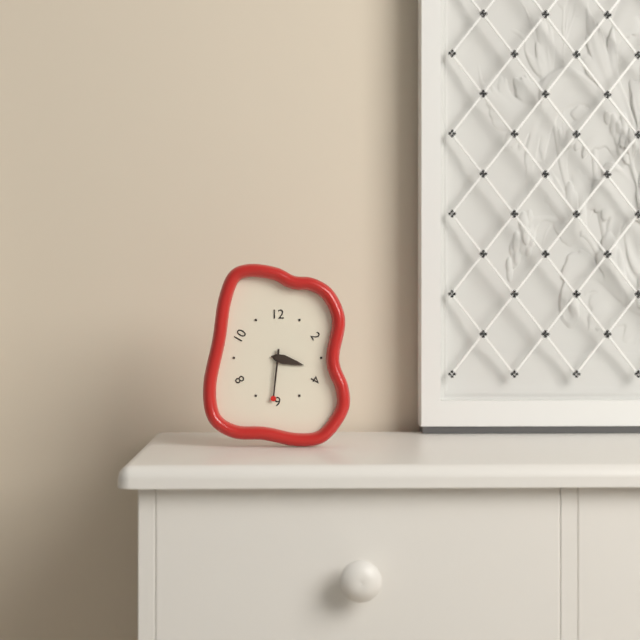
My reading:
**3:31**
